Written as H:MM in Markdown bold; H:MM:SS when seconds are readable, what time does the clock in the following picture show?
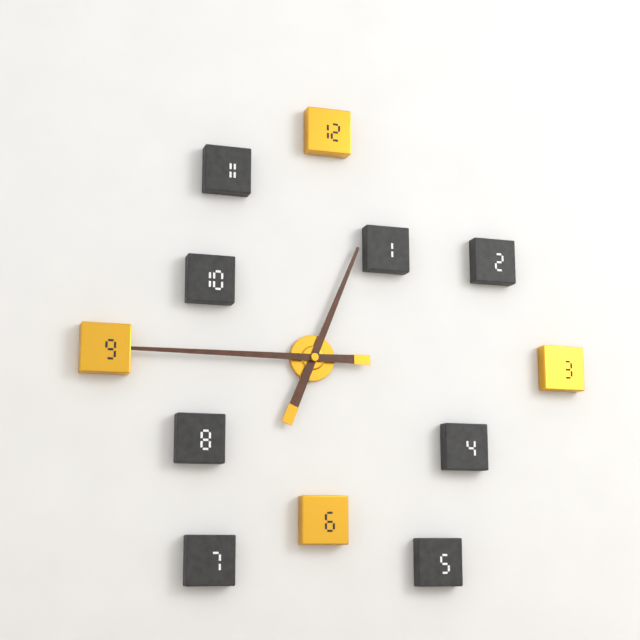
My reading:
**12:45**
